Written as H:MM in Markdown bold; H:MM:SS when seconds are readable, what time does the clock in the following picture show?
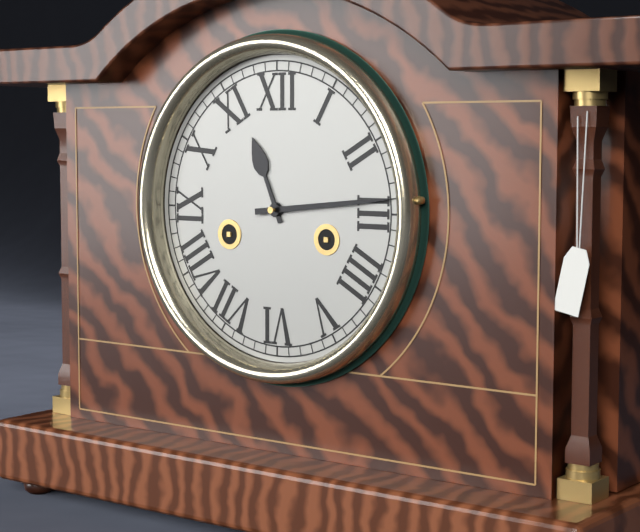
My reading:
**11:14**
